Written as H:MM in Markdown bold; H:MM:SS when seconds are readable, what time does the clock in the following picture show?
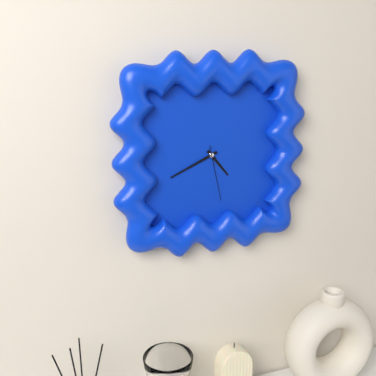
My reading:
**4:41:28**
